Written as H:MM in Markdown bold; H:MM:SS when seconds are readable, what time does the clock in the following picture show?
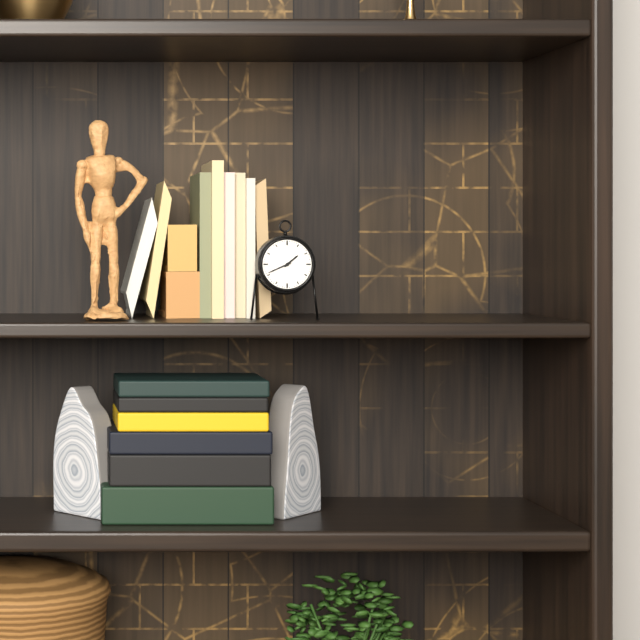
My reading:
**1:41**
